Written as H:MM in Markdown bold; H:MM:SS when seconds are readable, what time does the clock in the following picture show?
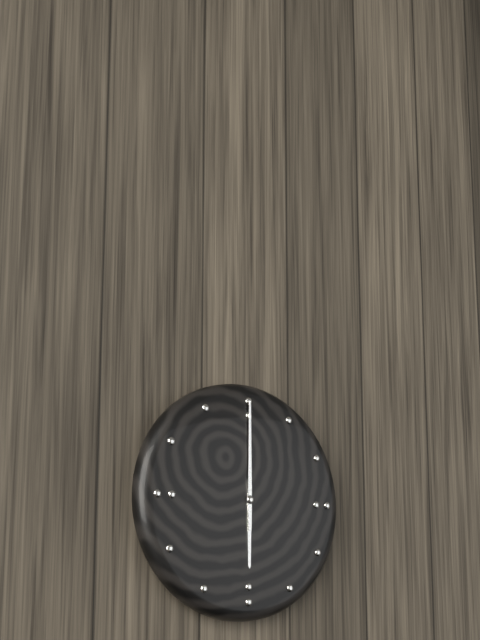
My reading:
**6:00**
